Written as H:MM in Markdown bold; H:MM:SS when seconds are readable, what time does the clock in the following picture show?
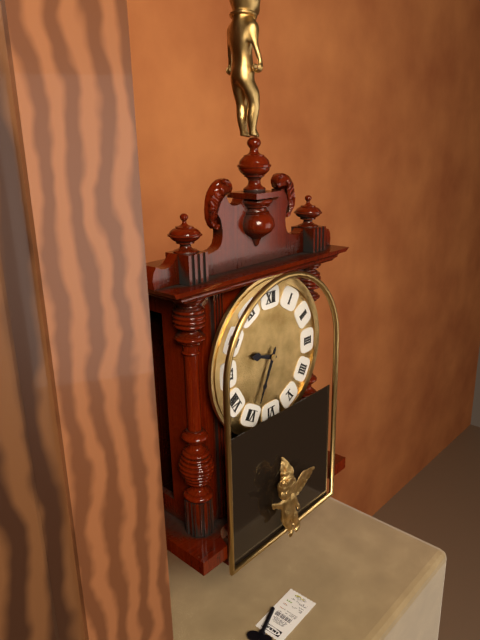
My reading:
**9:34**
